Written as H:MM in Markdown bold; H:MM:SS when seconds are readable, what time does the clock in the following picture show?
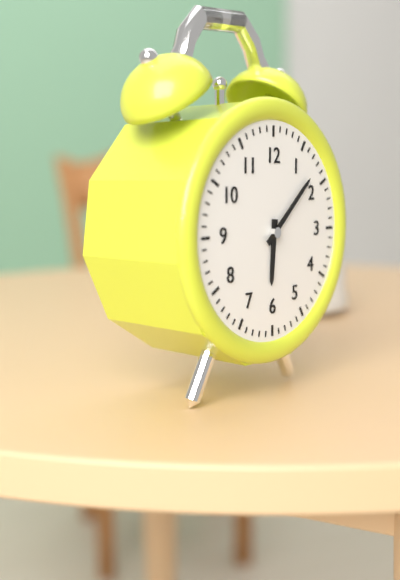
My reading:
**6:08**
